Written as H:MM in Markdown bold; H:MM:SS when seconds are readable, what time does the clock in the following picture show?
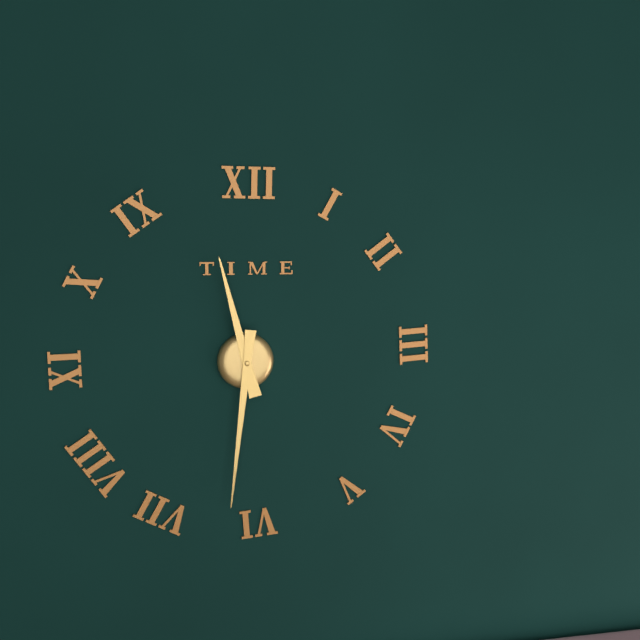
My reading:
**11:31**
